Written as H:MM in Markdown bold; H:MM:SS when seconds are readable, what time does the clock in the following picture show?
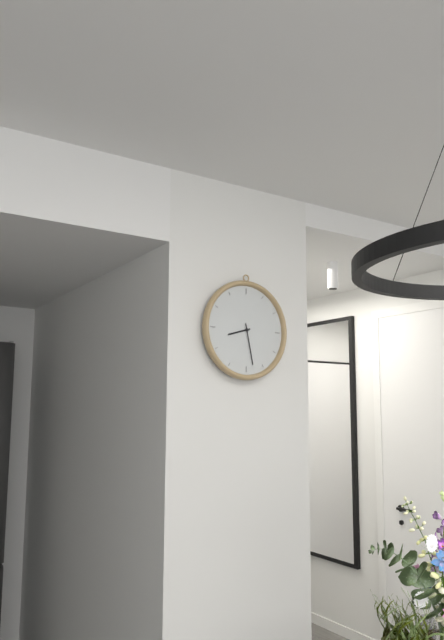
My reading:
**8:28**
